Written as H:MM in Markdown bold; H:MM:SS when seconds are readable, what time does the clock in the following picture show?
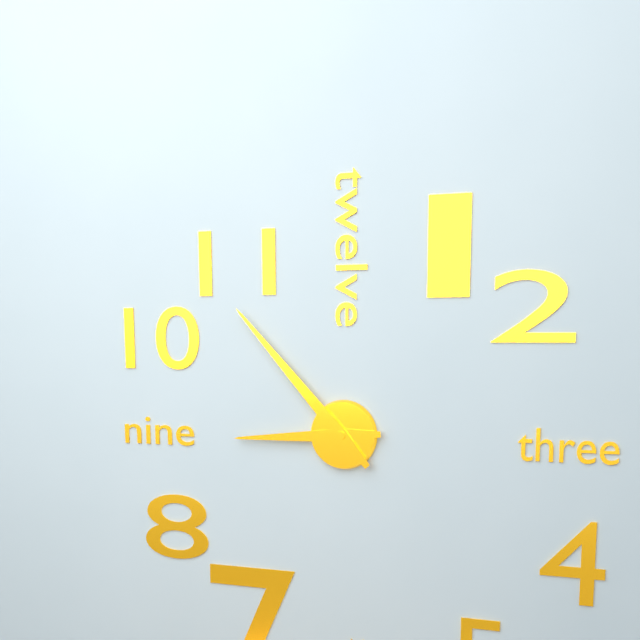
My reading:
**8:53**
